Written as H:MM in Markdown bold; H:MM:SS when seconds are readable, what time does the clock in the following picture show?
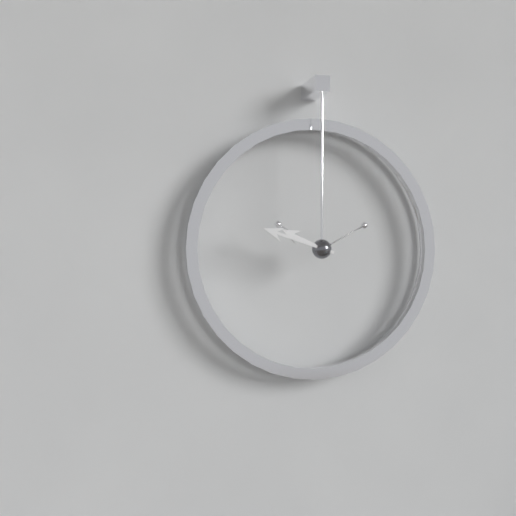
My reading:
**9:48**
